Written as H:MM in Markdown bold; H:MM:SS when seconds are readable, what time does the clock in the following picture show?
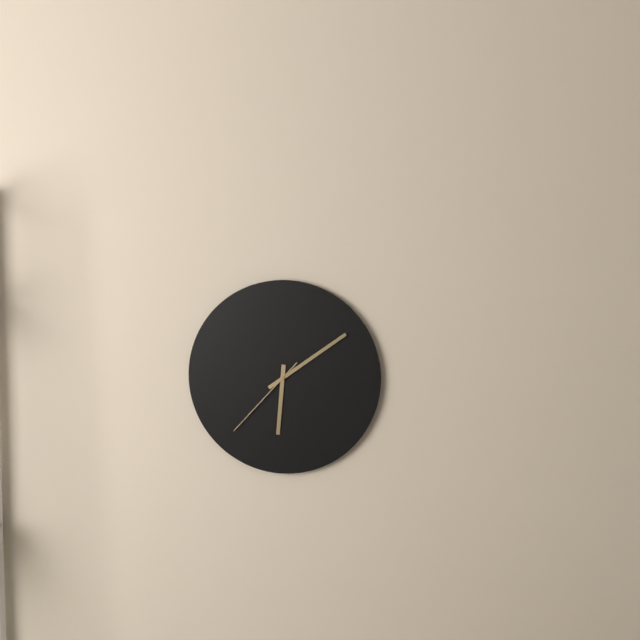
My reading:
**6:09:37**
